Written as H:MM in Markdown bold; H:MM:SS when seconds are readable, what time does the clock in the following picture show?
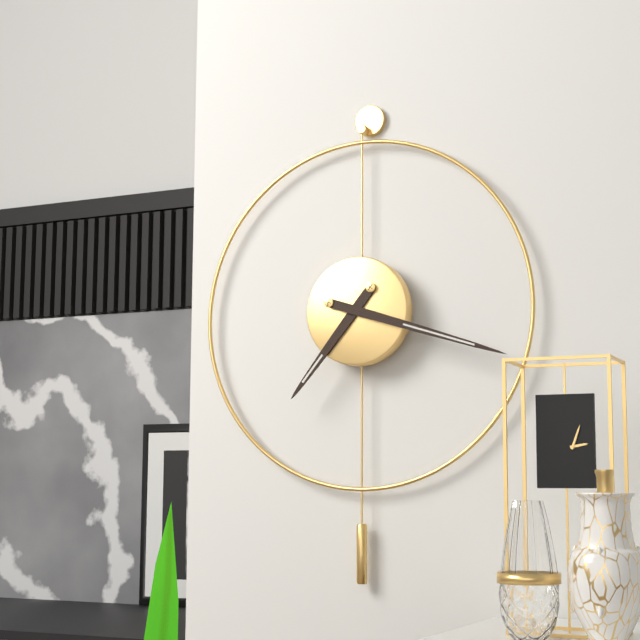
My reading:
**7:18**
